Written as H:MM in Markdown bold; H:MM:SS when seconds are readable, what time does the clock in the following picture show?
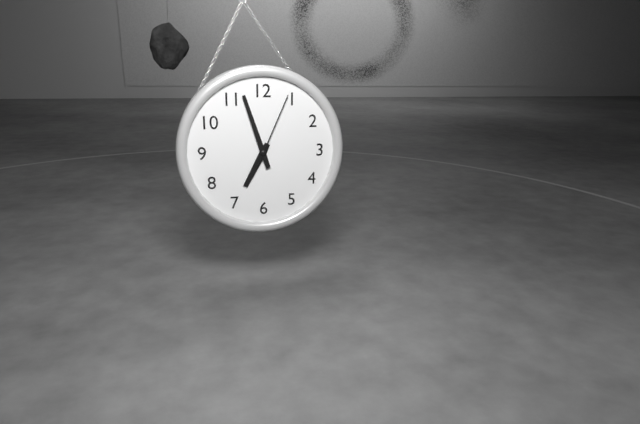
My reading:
**6:57:04**
